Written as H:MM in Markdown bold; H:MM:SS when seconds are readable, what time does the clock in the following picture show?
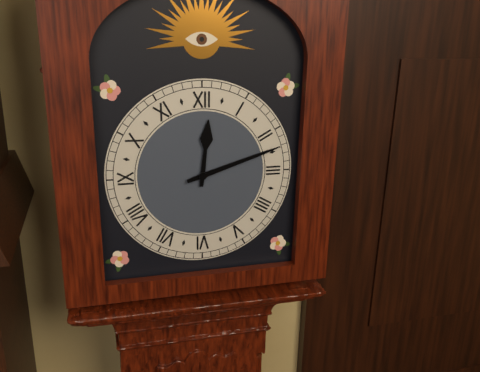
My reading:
**12:12**
